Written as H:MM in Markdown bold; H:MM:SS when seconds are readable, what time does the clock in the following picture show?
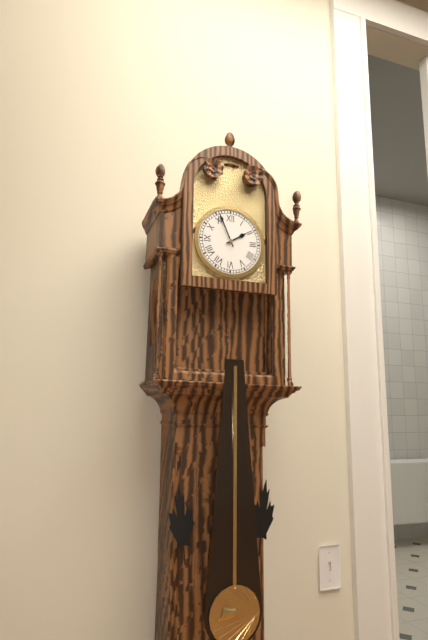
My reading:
**1:56**
